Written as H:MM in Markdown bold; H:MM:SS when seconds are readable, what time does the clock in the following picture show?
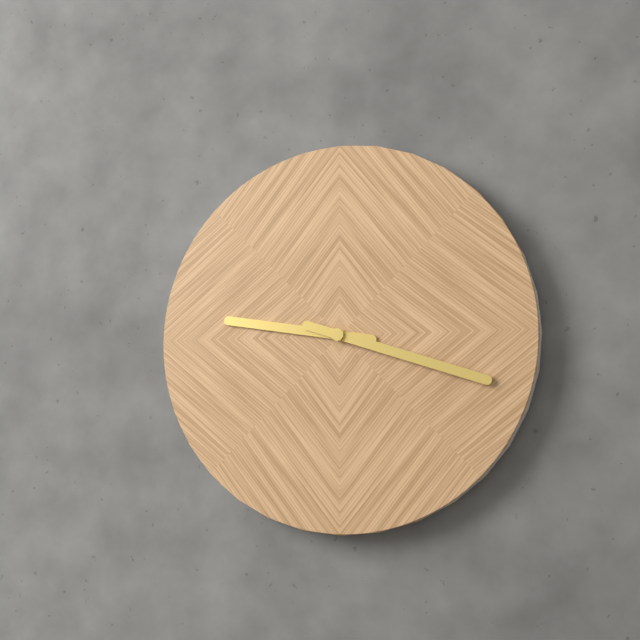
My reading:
**9:18**
